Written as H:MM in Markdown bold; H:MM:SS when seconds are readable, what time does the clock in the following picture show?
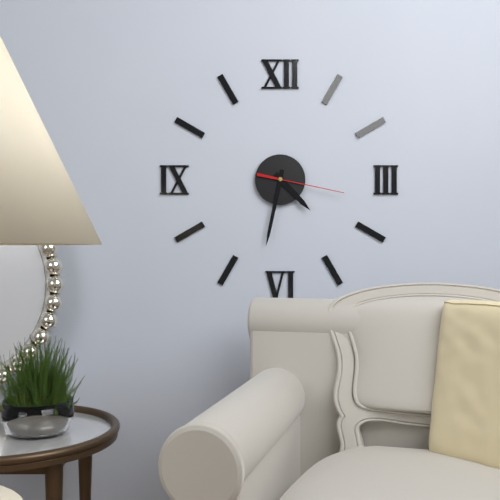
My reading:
**4:32:17**
